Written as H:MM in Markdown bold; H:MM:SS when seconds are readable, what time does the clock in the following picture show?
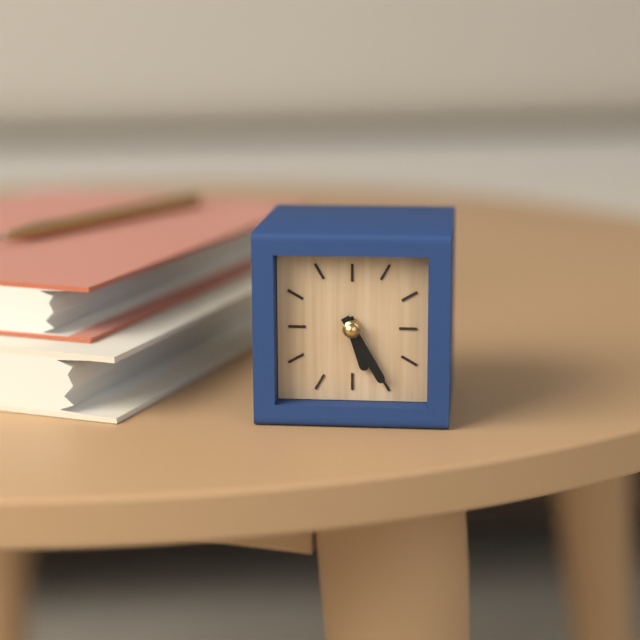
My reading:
**5:25**
